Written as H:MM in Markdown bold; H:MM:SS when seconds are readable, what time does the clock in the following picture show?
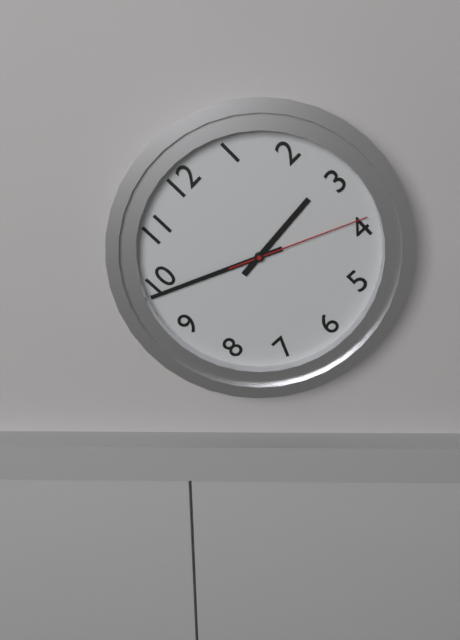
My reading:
**2:49:19**
